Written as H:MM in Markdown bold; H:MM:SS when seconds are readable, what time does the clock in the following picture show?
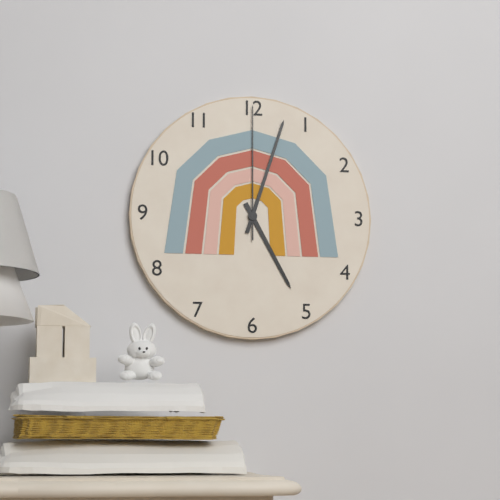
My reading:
**5:03:00**
